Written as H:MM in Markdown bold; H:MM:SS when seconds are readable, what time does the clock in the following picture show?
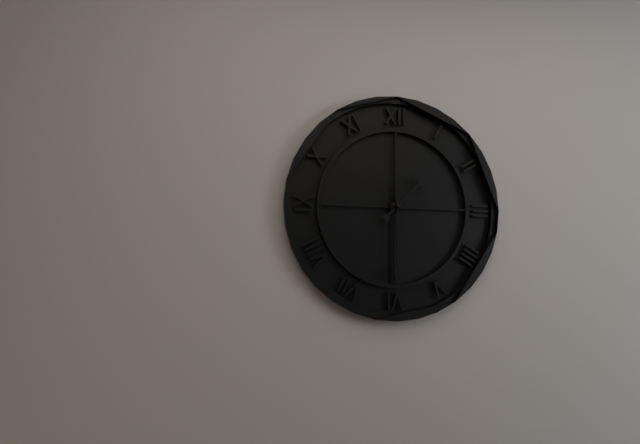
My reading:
**1:30**
